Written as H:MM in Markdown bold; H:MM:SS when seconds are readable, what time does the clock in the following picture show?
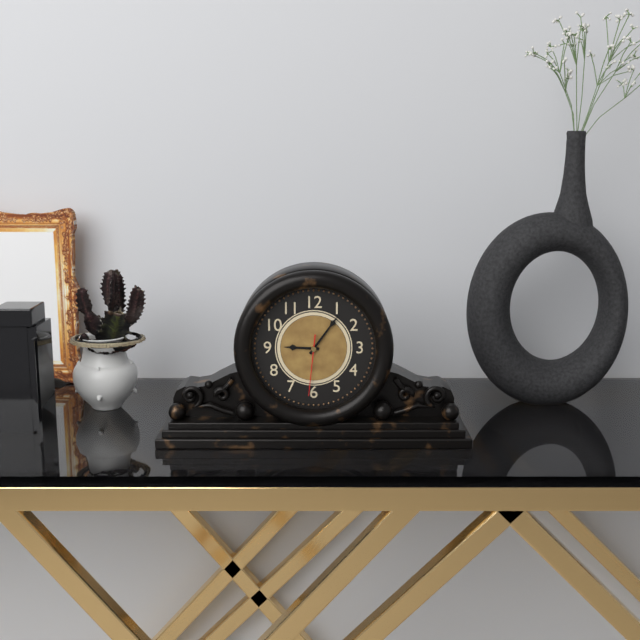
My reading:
**9:06:31**
